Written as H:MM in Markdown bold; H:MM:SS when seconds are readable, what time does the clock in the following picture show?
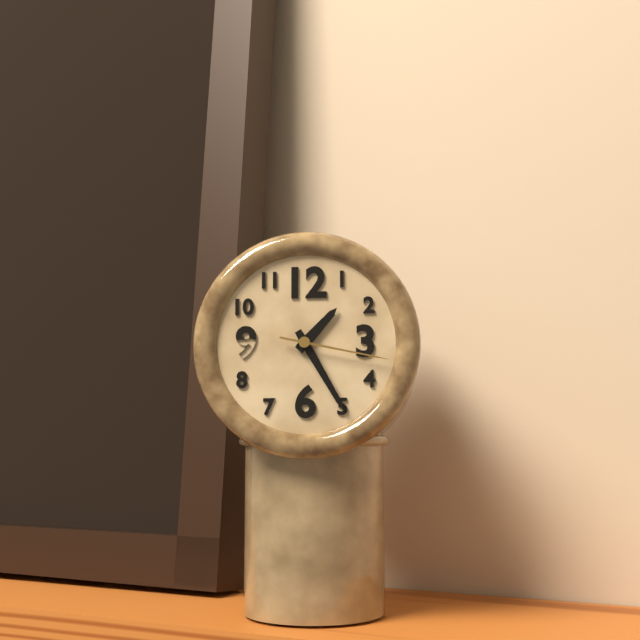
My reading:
**1:25:17**
